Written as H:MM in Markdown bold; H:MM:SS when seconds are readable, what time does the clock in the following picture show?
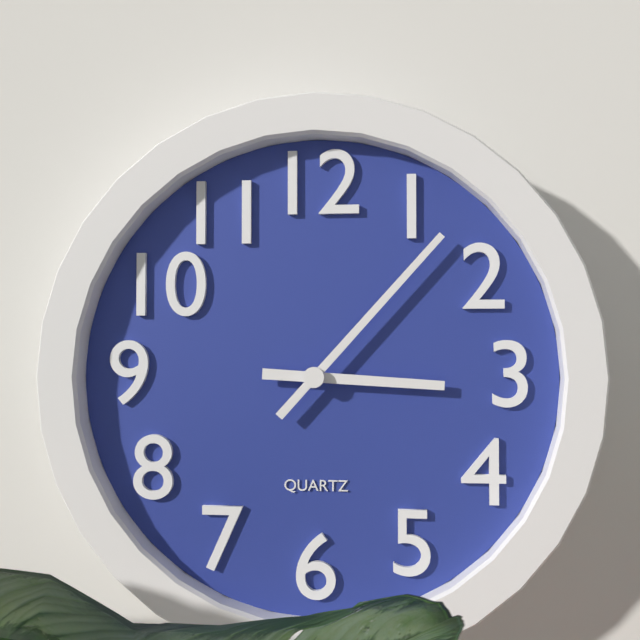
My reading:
**3:07**
